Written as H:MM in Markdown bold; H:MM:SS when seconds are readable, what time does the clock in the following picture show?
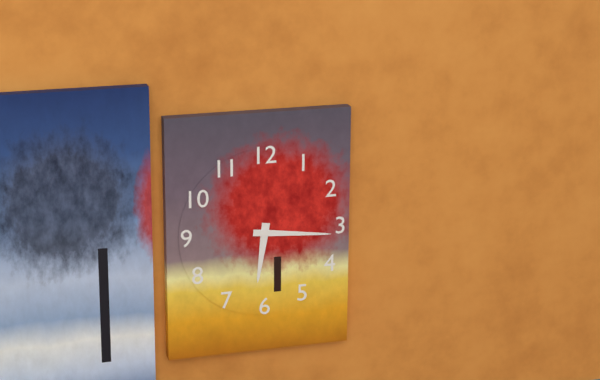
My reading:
**6:16**
